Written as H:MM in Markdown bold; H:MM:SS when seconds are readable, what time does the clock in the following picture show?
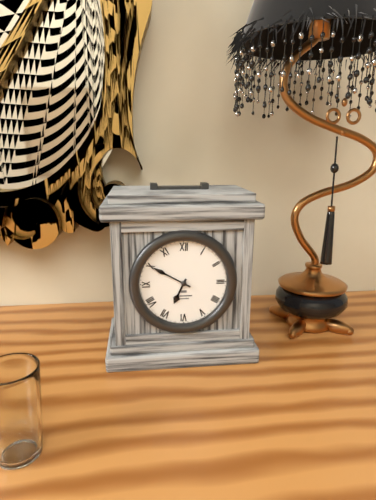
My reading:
**6:50**
